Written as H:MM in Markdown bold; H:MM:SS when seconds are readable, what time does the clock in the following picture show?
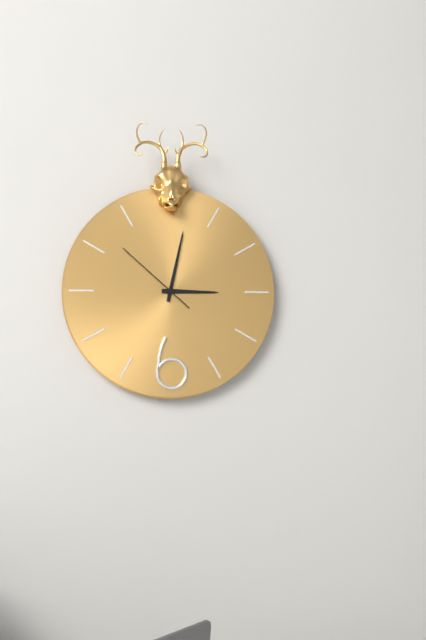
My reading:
**3:02:52**
